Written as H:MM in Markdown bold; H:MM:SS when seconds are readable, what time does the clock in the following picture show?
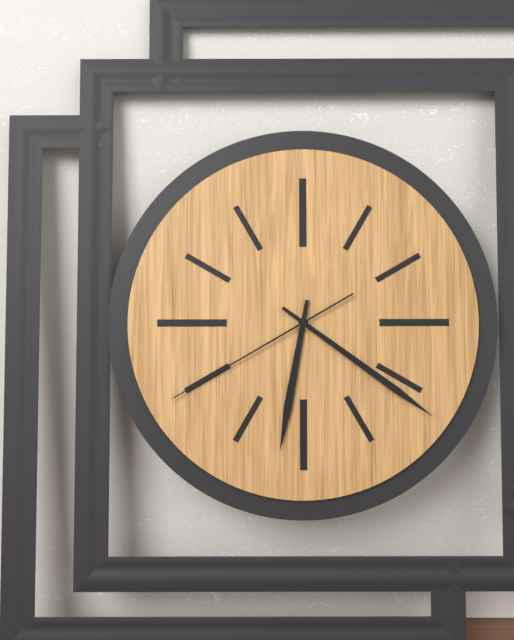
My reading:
**6:21:40**
